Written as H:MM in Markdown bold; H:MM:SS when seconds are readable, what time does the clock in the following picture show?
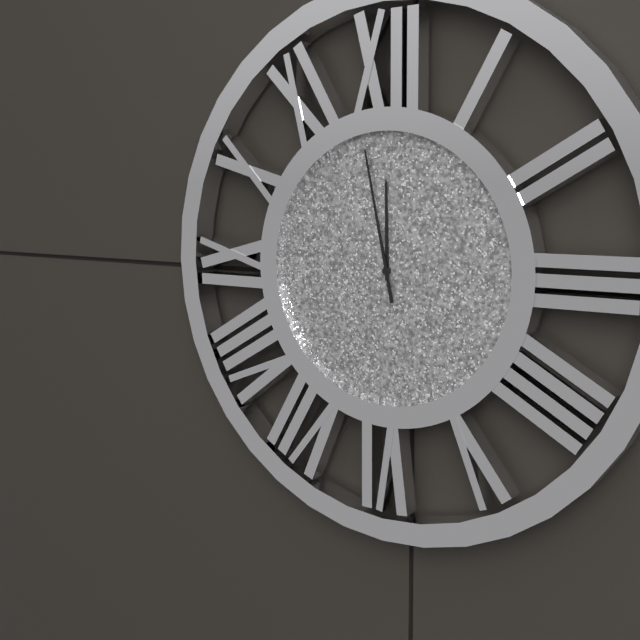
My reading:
**11:58**
